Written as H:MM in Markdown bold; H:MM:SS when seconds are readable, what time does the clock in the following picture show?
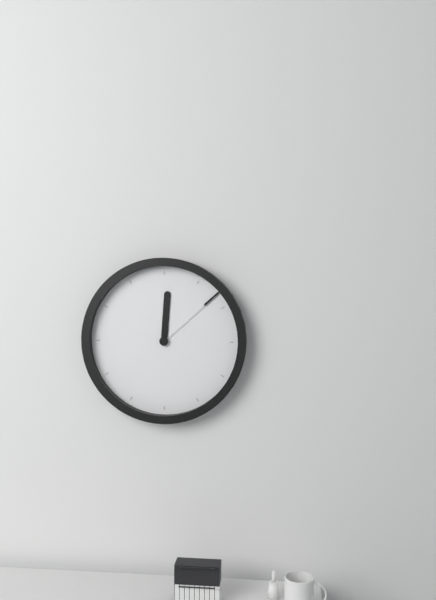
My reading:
**12:08**
